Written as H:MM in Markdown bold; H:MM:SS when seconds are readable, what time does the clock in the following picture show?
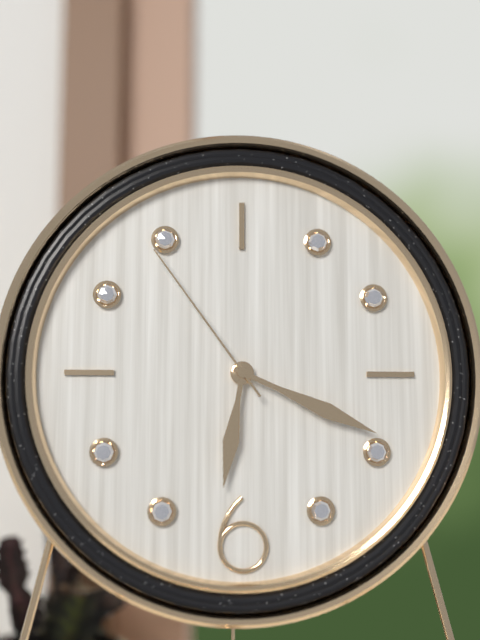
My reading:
**6:19:54**
